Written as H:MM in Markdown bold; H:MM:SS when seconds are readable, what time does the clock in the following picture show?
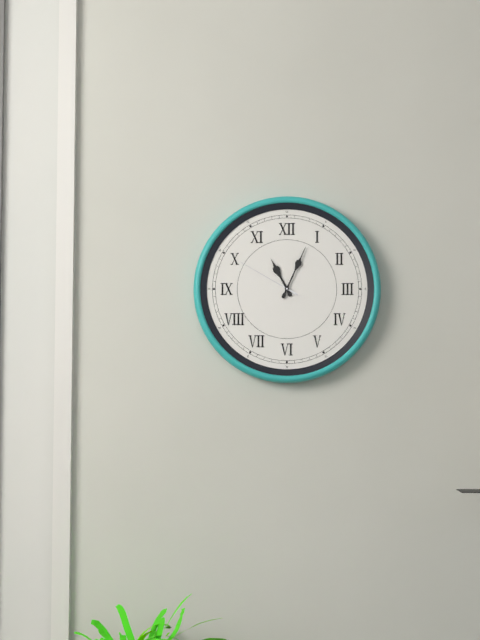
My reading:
**11:04:50**
